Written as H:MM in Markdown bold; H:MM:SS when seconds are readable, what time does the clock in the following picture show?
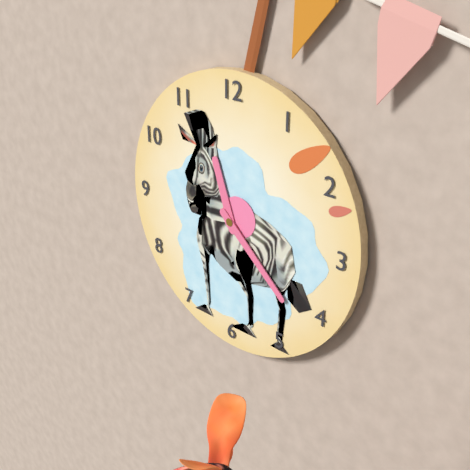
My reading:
**11:22**
